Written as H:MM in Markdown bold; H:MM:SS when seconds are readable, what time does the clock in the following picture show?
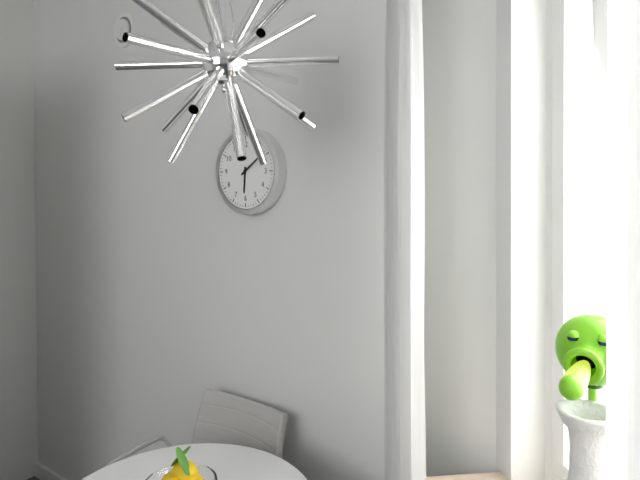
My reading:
**6:09**
